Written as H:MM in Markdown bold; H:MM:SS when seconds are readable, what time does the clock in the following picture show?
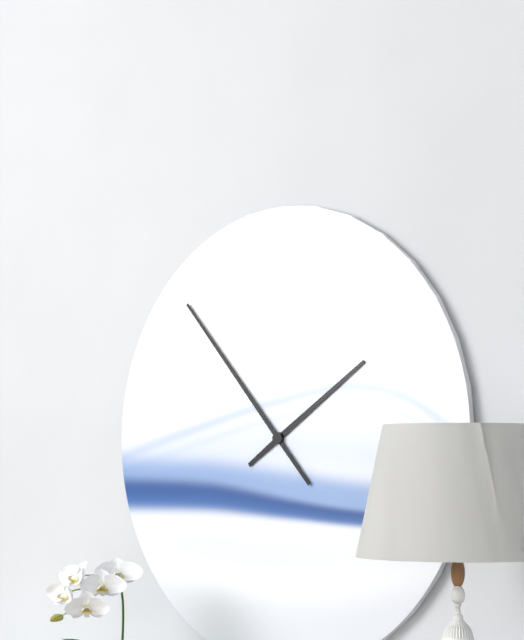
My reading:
**1:53**
